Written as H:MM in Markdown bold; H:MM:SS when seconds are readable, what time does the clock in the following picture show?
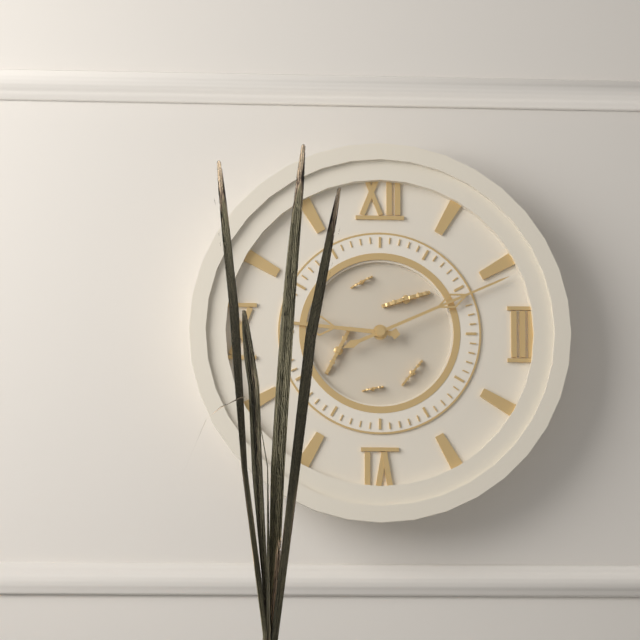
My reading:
**9:11**
